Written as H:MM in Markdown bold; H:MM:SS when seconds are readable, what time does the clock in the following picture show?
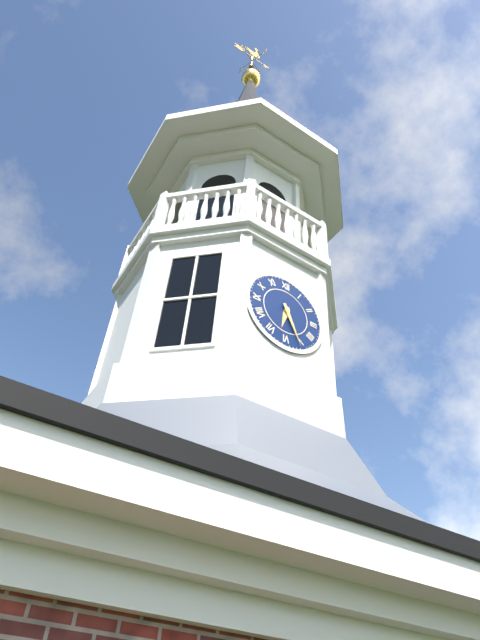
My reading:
**6:26**
